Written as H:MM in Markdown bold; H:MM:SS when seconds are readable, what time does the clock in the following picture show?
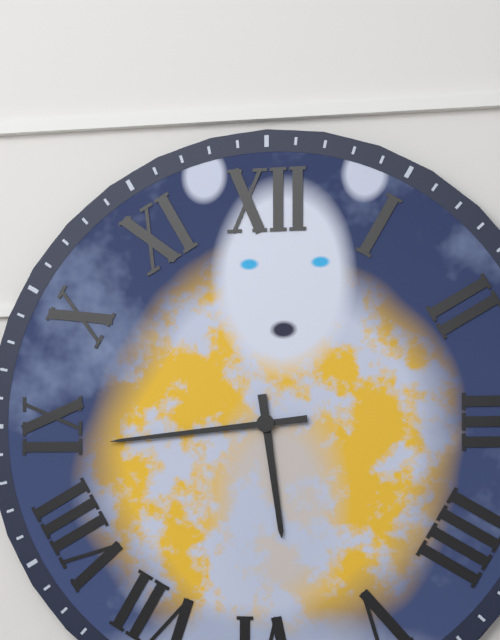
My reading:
**5:44**
